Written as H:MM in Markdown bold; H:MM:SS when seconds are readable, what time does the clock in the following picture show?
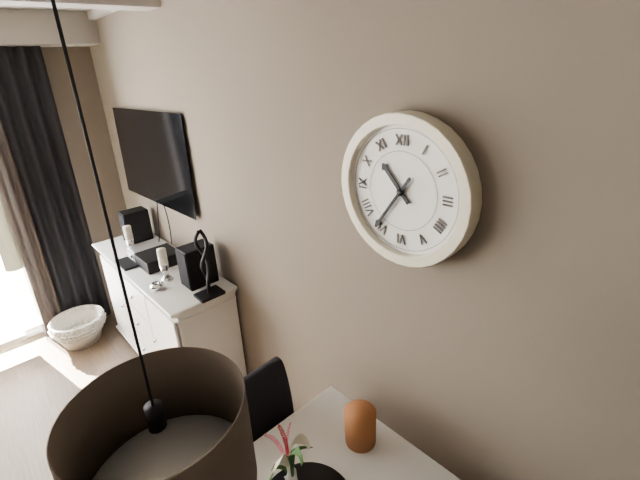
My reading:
**10:36**
